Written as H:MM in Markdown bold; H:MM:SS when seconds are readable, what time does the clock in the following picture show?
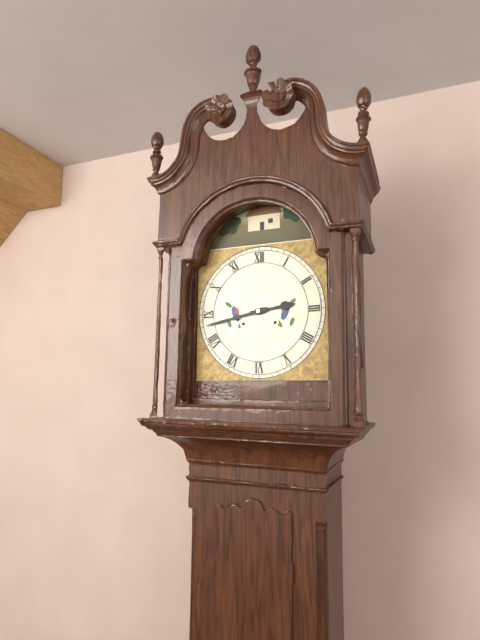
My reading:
**2:43**
